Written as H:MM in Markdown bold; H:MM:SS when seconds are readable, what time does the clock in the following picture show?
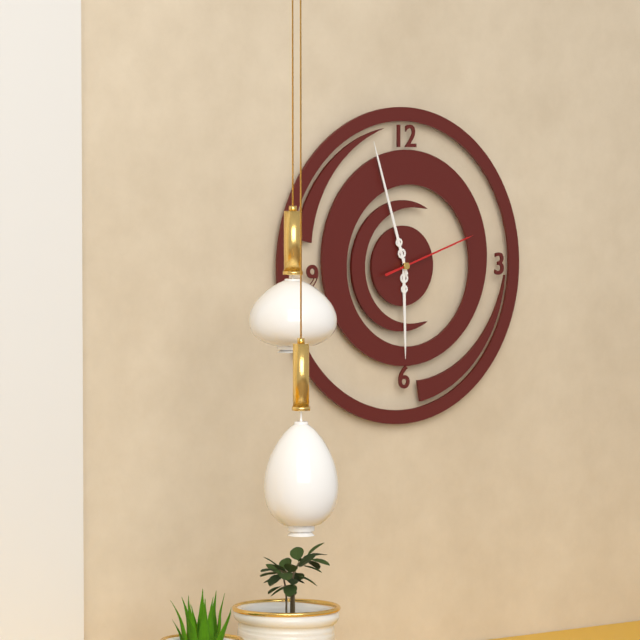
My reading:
**5:57:12**
